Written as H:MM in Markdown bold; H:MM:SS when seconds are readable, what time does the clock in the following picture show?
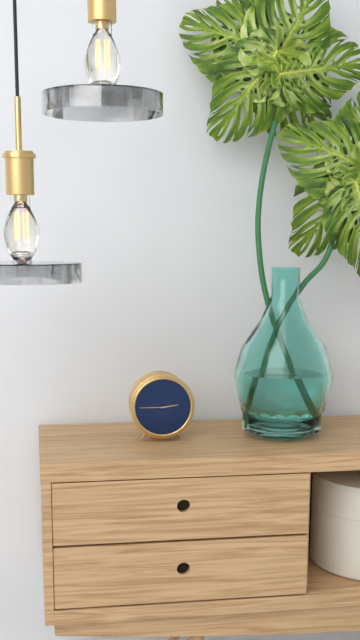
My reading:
**2:45**
